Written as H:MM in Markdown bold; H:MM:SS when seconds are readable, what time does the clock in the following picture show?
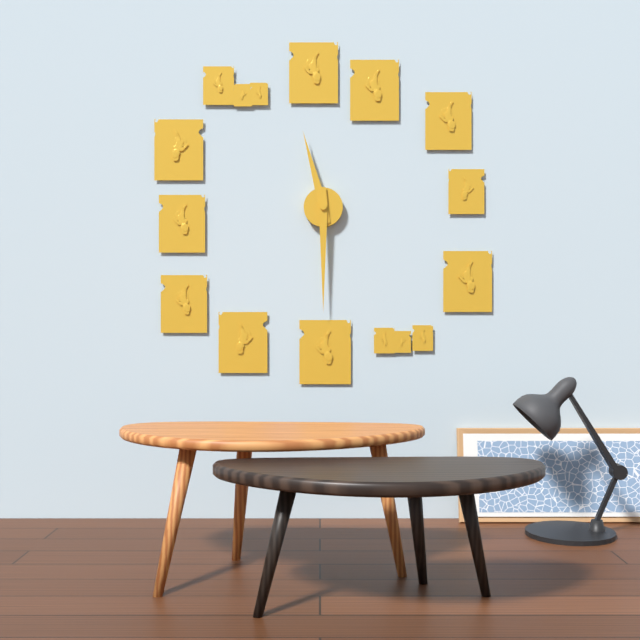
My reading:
**11:30**
